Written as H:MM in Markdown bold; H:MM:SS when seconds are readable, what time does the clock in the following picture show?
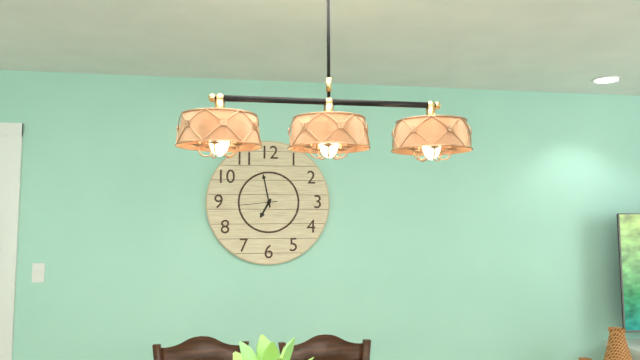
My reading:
**6:58**
